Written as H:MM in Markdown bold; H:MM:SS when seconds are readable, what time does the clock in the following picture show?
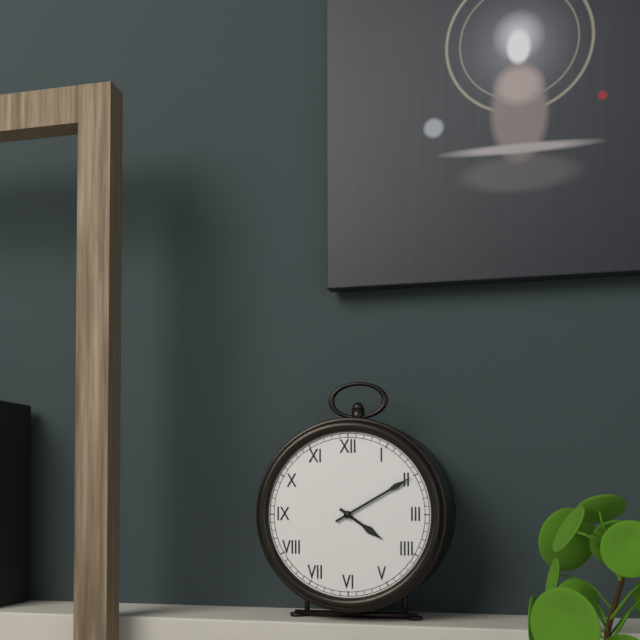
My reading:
**4:10**
